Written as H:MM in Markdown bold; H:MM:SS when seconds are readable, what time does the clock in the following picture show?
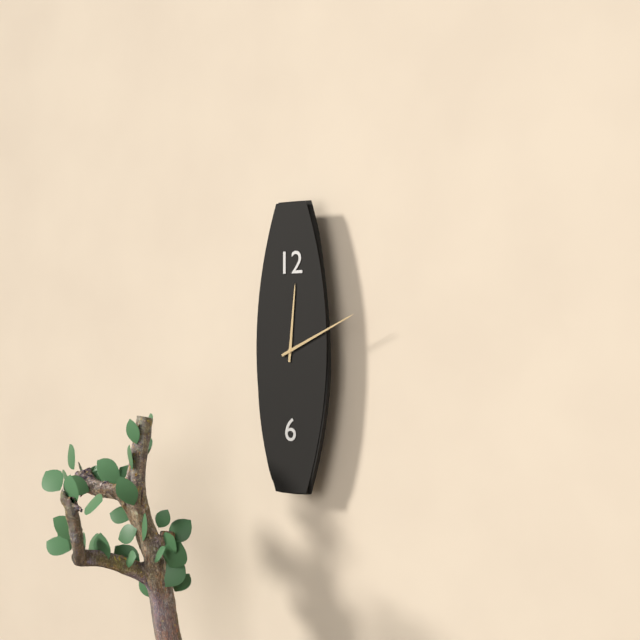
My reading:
**12:11**
